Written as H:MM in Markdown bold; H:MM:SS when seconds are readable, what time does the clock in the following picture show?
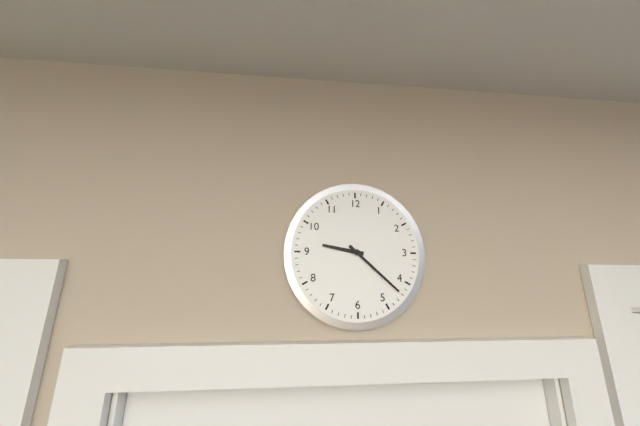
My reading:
**9:22**
